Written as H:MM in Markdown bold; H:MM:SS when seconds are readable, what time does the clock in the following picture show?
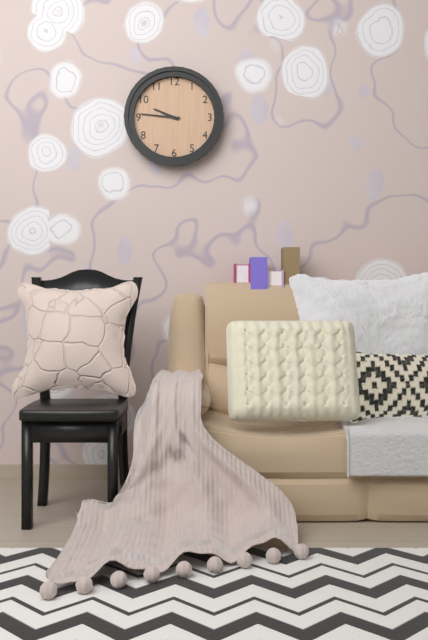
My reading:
**9:46**
